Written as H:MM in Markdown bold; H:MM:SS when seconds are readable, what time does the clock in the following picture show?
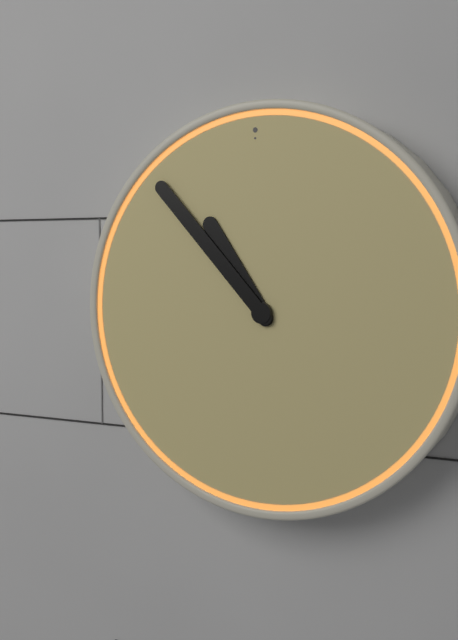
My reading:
**10:53**
